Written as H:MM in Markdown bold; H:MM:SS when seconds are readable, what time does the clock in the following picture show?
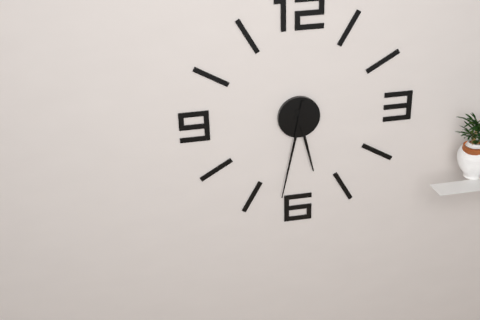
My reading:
**5:32**
